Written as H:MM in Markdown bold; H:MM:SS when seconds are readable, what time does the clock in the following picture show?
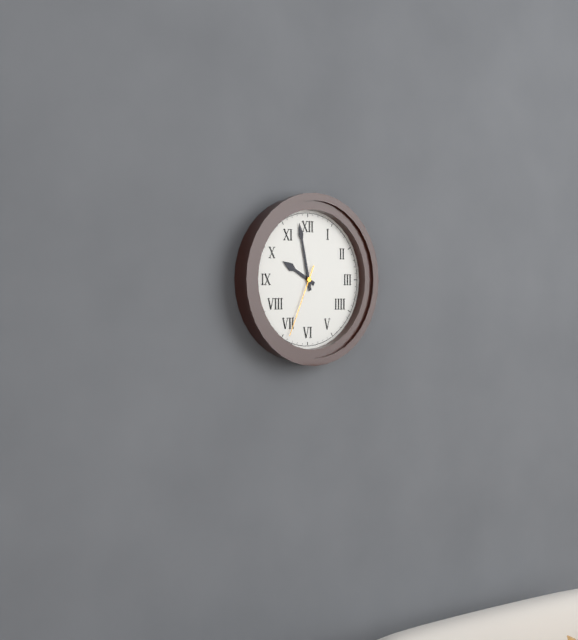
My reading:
**9:58:34**
